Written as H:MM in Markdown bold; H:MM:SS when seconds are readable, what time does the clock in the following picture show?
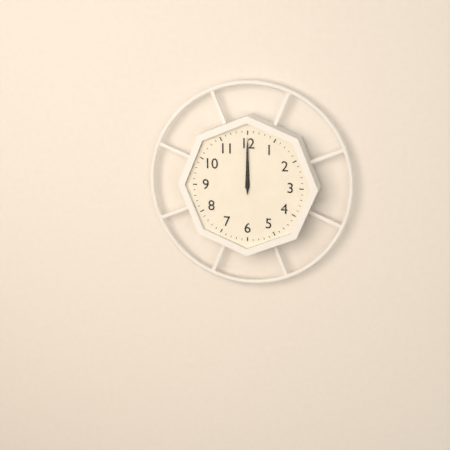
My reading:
**12:00**
